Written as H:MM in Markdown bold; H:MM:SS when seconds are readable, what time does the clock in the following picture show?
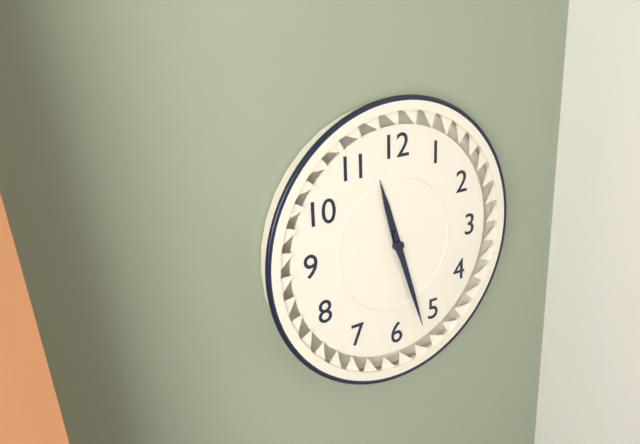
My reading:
**11:27**
